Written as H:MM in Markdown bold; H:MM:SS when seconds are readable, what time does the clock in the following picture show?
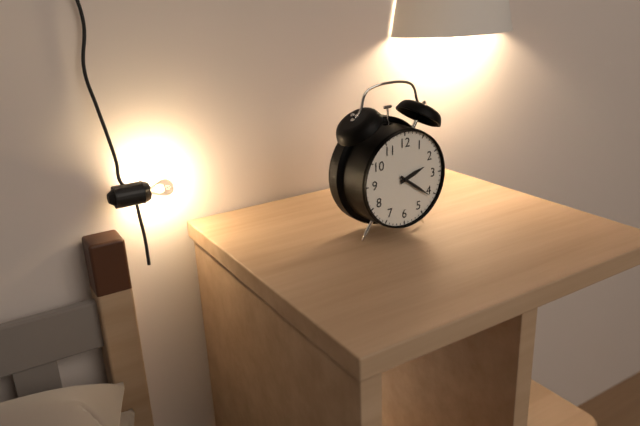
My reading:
**2:21**
